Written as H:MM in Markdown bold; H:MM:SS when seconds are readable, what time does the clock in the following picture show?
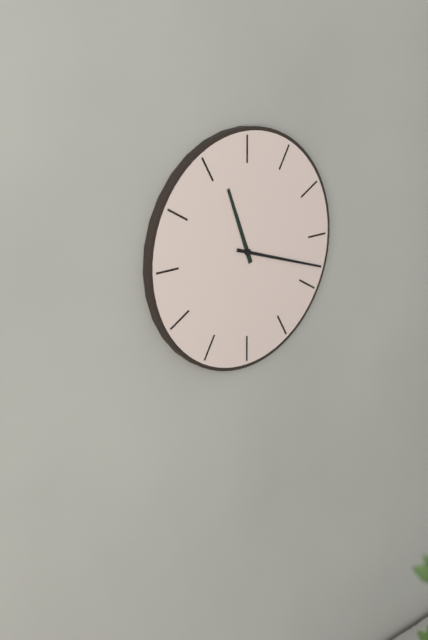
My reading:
**11:18**
